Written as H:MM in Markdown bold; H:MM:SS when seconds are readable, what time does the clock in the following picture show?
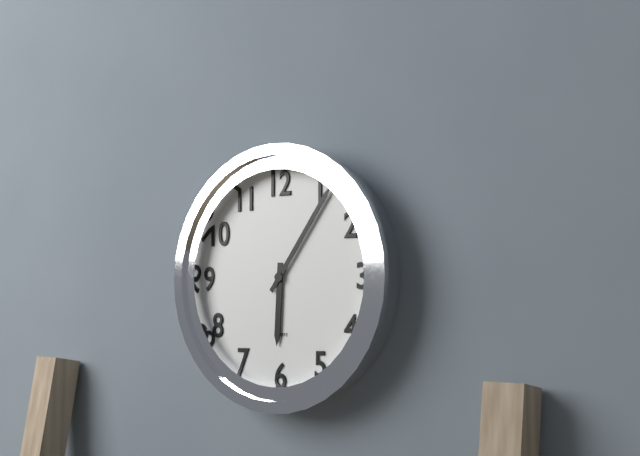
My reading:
**6:06**
